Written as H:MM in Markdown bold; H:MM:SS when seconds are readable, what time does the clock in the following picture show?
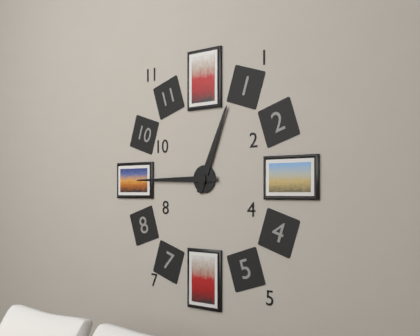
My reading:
**12:45**
